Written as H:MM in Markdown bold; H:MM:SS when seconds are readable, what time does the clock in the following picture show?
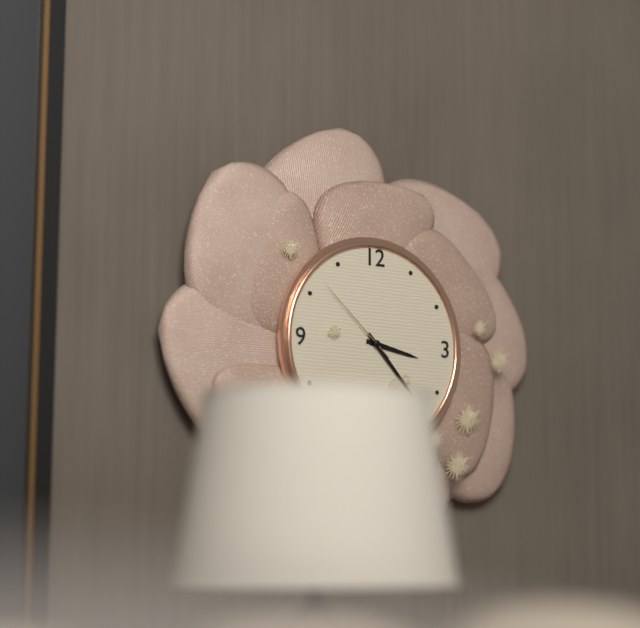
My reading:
**3:23:52**
